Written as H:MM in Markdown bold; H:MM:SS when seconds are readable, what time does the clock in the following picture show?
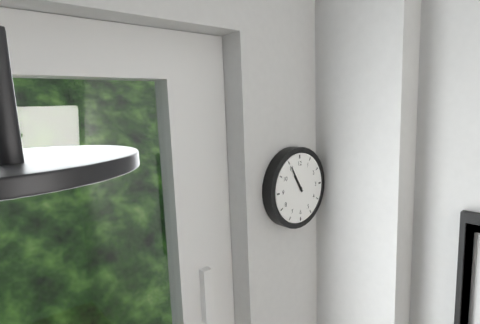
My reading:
**10:55**
